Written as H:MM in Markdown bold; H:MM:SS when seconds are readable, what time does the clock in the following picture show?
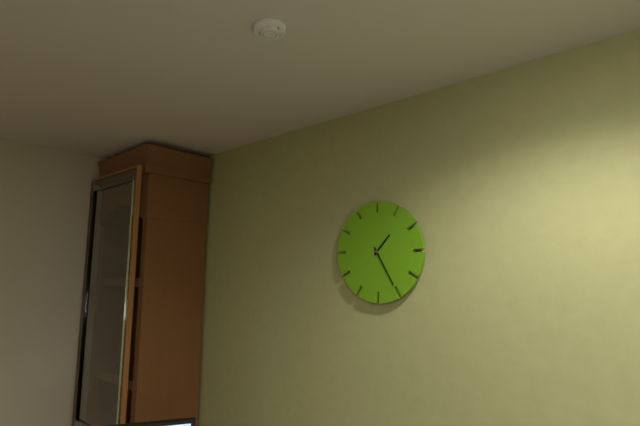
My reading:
**1:25**
